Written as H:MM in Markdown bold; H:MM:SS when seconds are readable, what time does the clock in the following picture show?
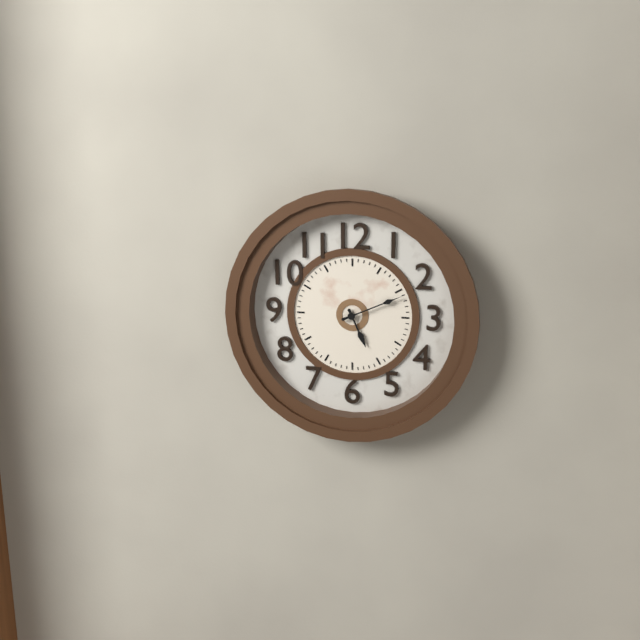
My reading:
**5:11**
